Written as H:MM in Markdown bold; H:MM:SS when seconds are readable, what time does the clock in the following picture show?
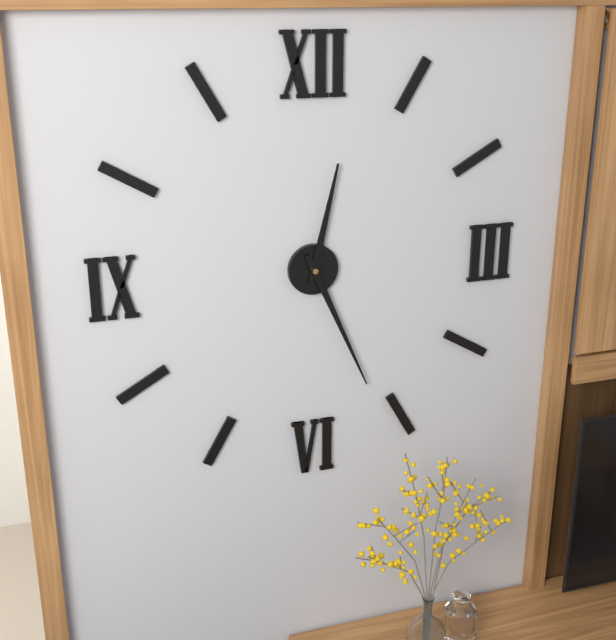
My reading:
**12:26**
